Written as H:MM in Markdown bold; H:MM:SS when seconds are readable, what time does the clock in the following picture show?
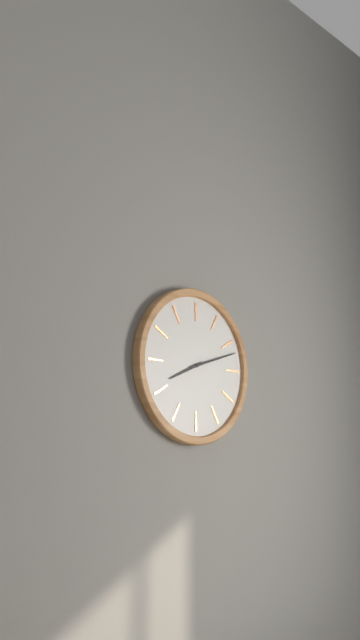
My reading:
**8:12**
